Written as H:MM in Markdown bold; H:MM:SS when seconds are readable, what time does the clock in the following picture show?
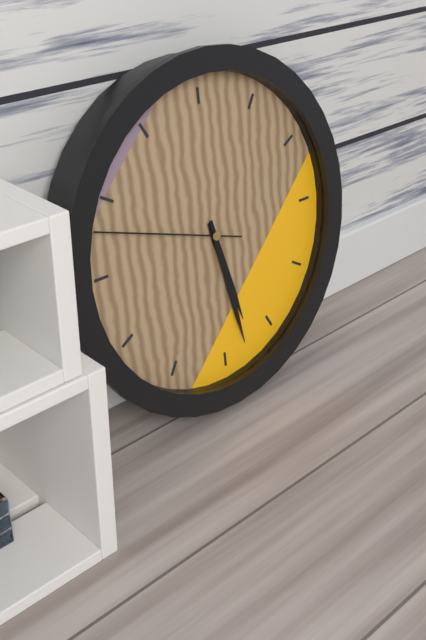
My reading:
**5:28:48**
